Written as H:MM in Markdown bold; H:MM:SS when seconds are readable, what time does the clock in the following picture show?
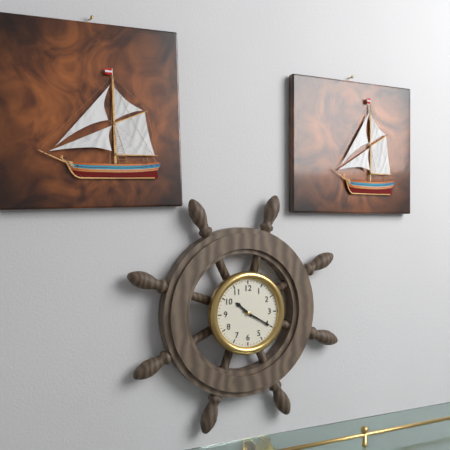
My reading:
**10:20**
